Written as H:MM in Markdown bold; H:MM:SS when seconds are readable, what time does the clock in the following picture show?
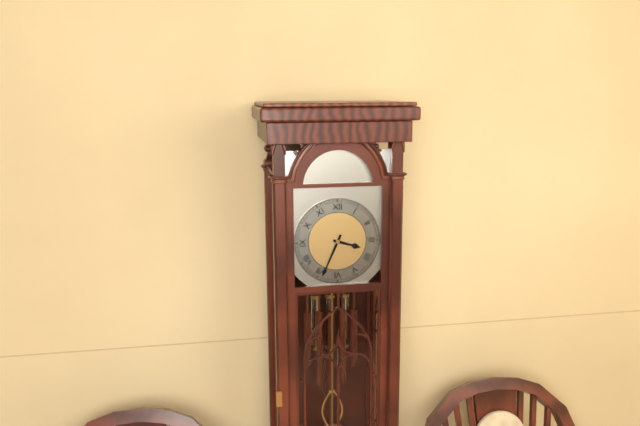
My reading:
**3:34**
